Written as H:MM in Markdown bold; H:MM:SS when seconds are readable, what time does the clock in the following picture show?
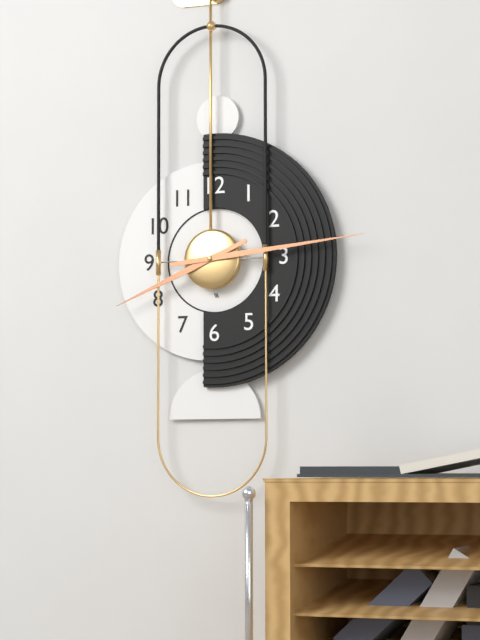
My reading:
**8:14**
